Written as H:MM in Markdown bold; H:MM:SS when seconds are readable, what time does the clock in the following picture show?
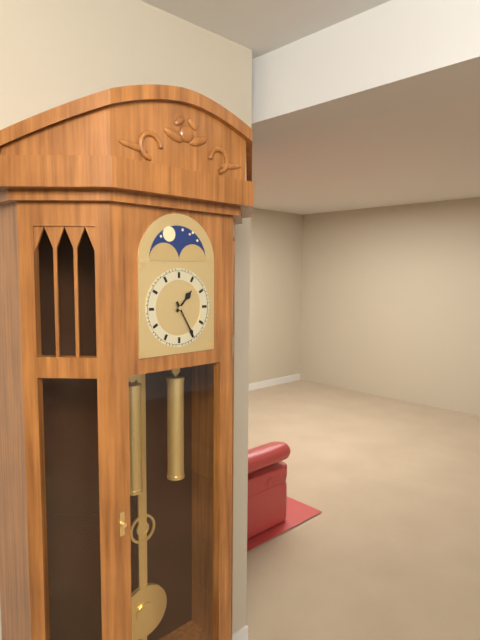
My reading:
**1:25**
